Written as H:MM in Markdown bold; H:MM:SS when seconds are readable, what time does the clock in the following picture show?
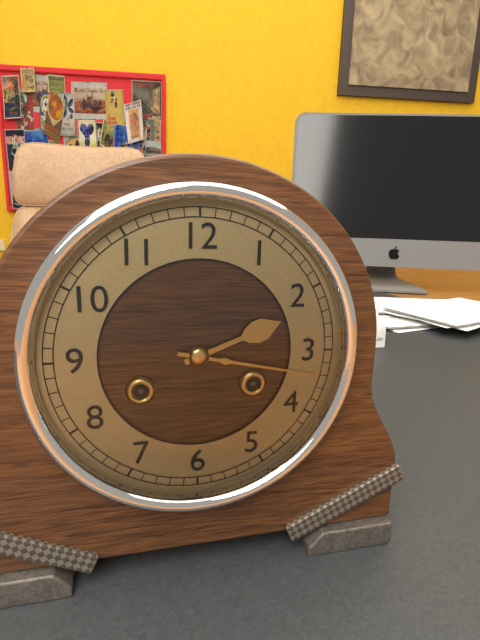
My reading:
**2:17**
